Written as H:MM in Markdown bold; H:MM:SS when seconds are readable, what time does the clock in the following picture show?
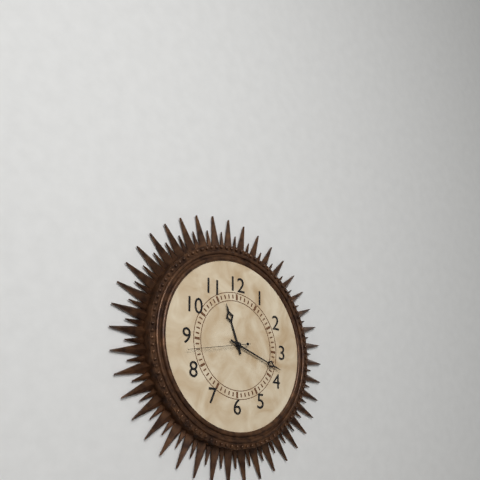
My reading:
**11:18**
